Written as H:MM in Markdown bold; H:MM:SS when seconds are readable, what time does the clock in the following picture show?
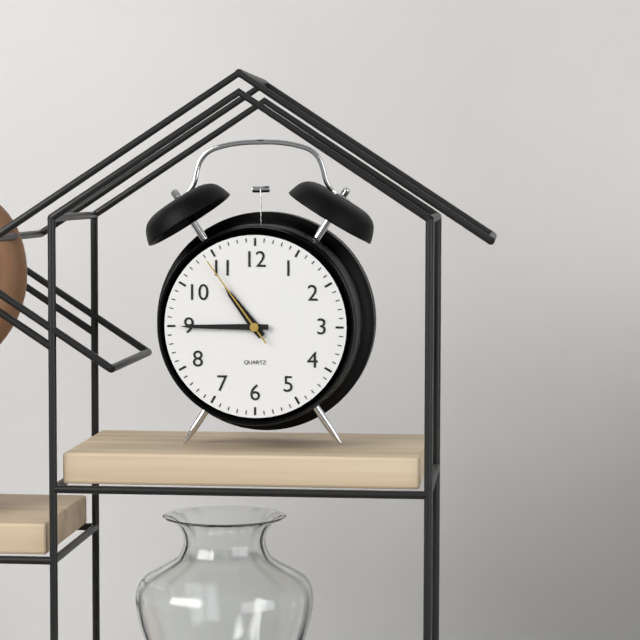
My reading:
**10:45:54**
